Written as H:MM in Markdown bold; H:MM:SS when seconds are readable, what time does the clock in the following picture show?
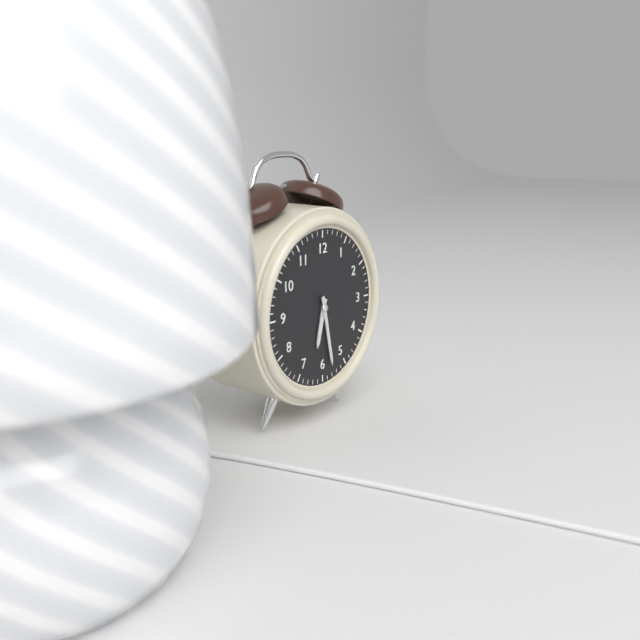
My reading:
**6:28**
